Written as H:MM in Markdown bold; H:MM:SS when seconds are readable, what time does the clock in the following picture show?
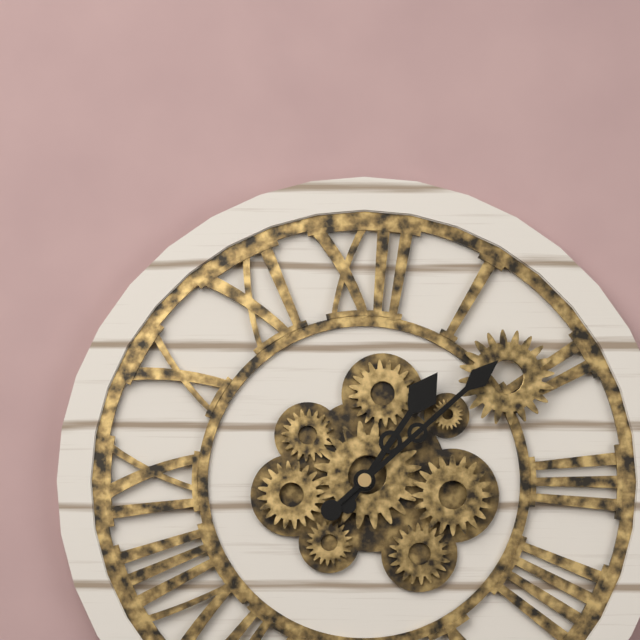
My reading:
**1:08**
